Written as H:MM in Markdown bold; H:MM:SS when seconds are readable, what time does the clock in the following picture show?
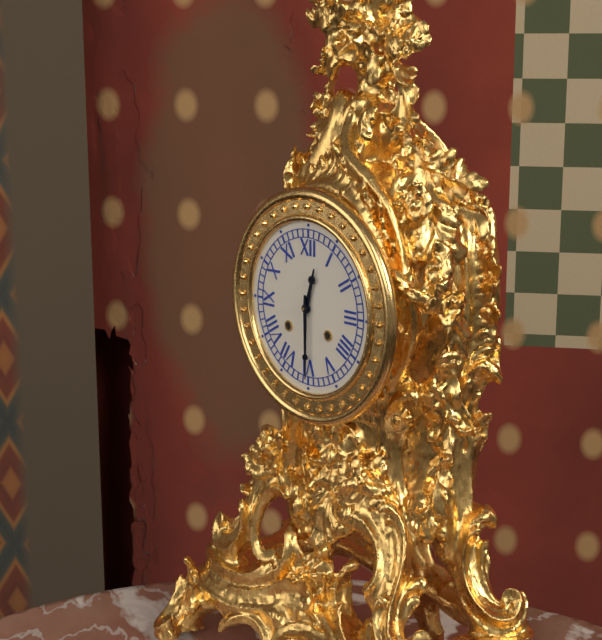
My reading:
**12:30**
